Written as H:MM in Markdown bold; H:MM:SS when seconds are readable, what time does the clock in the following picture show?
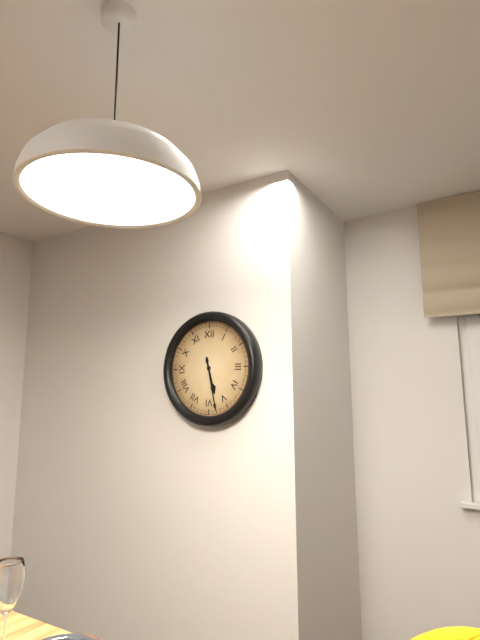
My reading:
**5:28**
